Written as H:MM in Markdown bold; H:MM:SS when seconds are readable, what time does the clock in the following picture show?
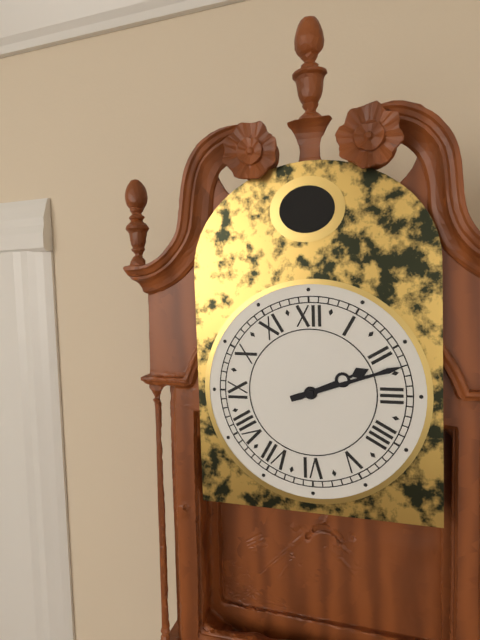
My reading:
**2:12**
